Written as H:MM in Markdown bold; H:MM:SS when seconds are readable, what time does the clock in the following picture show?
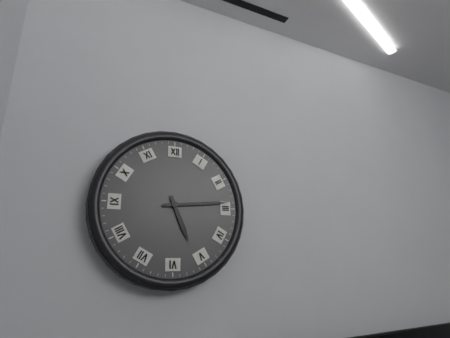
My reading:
**5:14**
